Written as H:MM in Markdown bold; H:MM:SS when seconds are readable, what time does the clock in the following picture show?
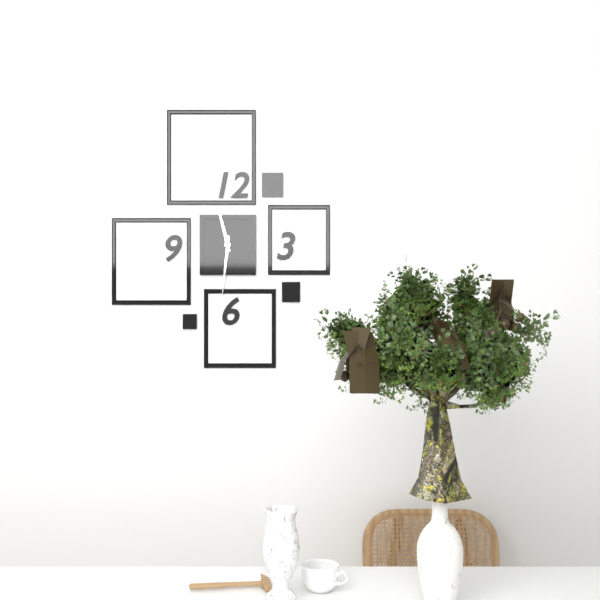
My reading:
**11:31**
